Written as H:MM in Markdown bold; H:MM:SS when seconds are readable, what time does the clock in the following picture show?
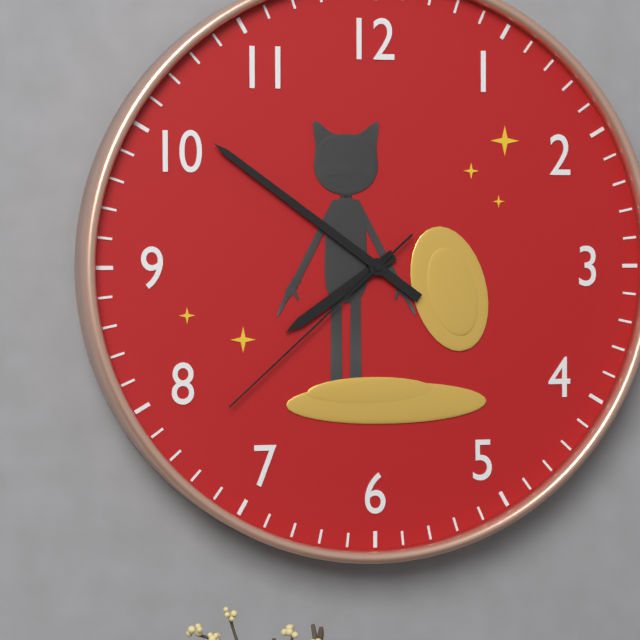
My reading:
**7:51:38**
